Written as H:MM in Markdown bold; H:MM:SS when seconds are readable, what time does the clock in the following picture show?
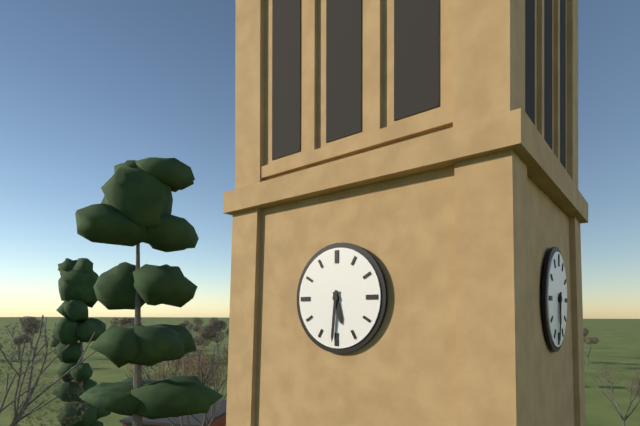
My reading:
**5:31**
